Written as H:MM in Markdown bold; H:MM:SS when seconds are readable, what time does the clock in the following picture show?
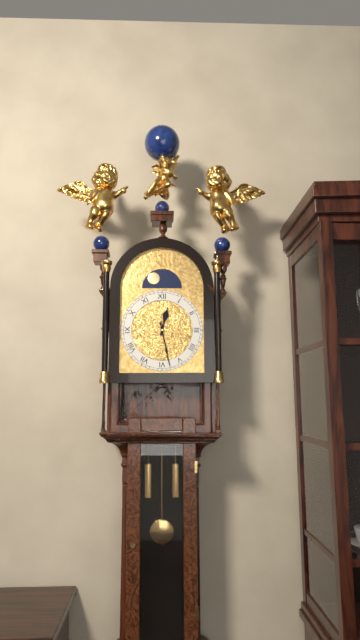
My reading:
**12:28**
